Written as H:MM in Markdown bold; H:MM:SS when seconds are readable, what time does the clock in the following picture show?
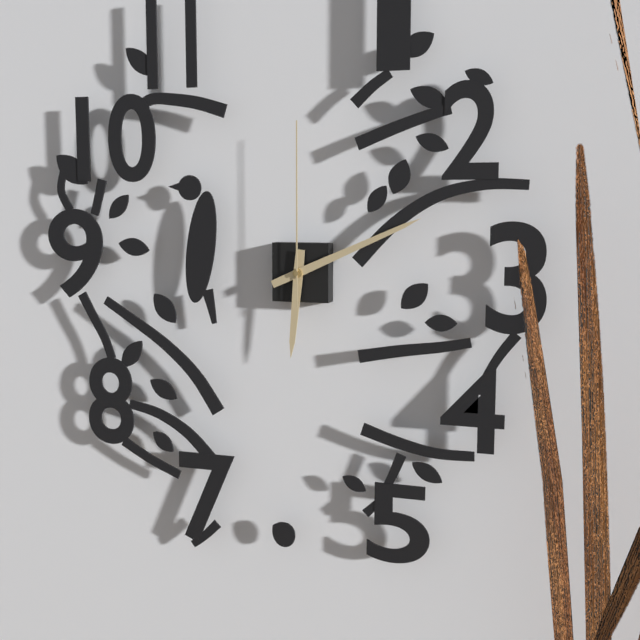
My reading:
**6:11:00**
